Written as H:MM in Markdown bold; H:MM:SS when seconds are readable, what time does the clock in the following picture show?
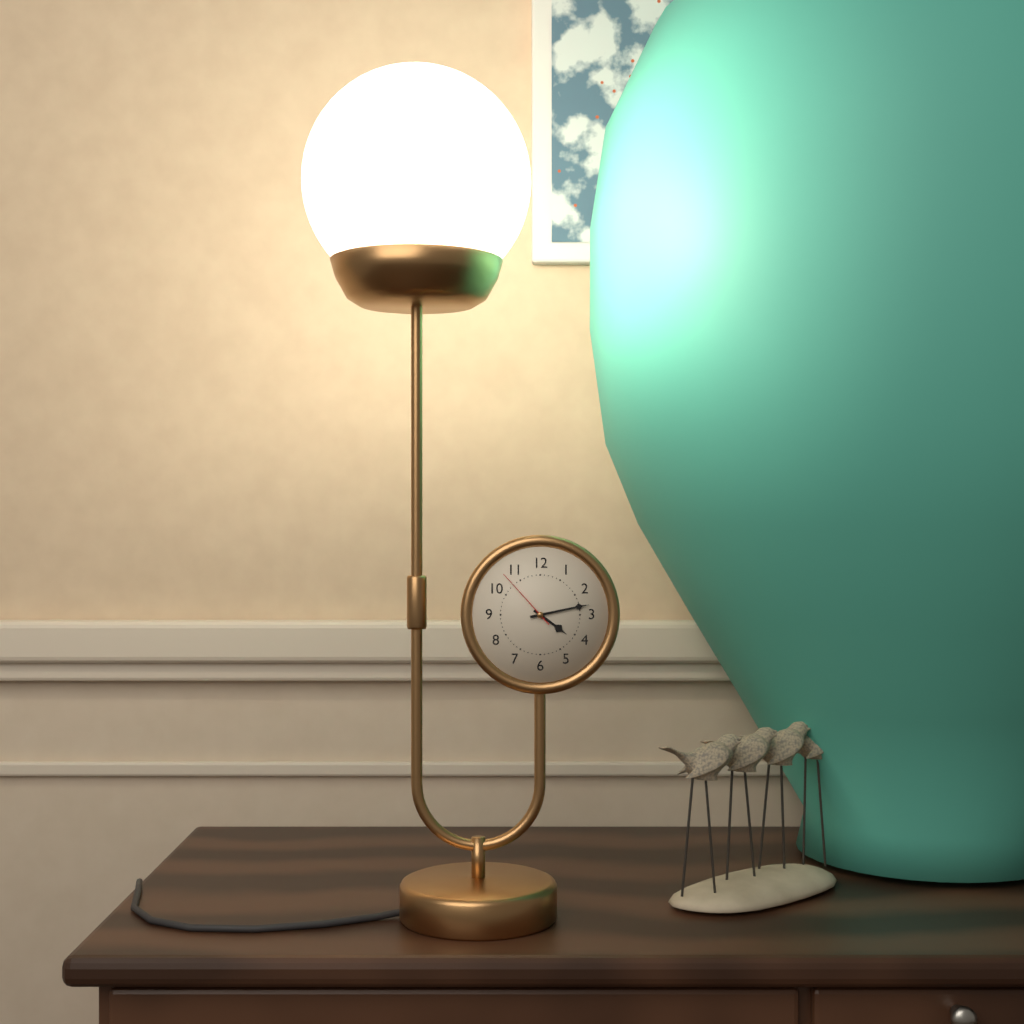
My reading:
**4:13:53**
